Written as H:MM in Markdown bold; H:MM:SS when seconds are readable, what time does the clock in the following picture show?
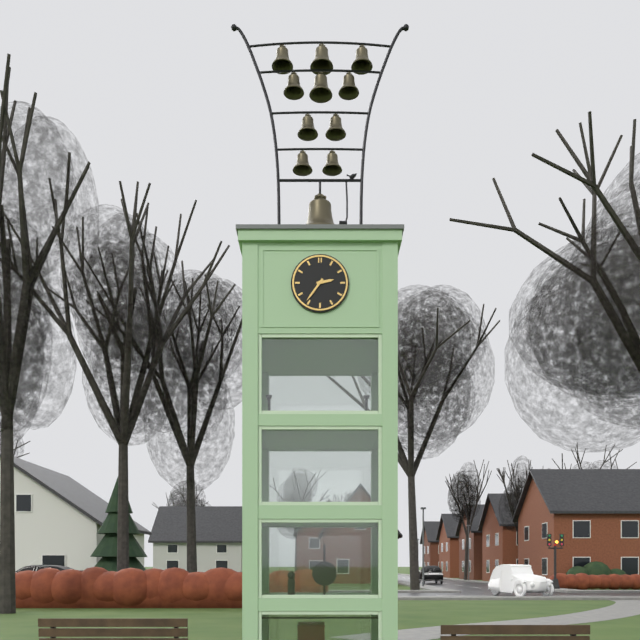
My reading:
**2:36**
